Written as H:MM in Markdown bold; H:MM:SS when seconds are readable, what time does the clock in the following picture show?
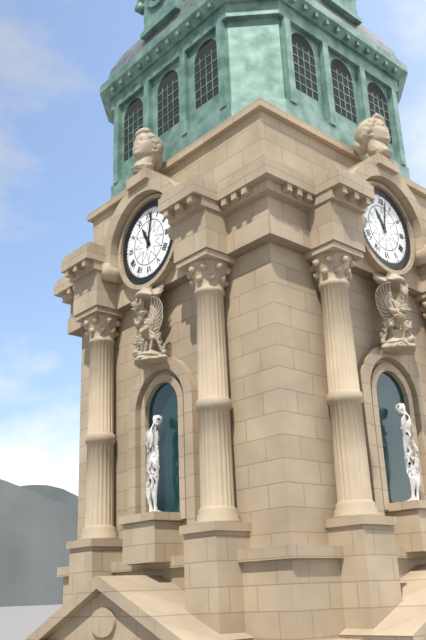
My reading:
**11:02**
